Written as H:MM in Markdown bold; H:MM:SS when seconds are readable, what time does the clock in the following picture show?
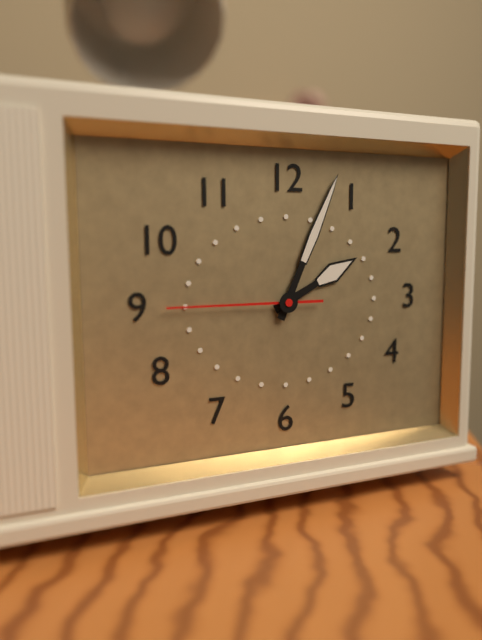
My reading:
**2:04:45**
